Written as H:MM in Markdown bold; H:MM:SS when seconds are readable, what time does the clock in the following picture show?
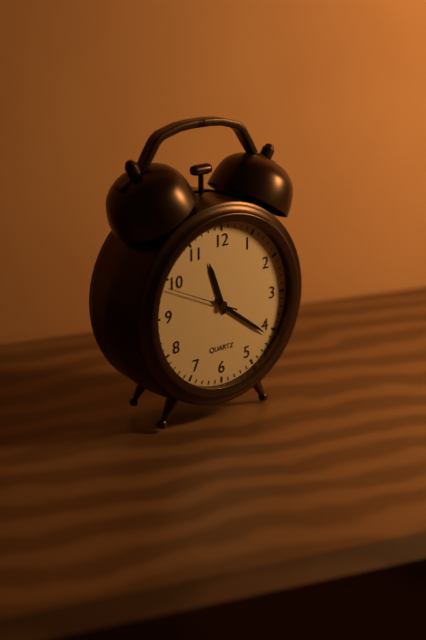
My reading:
**11:21:49**
